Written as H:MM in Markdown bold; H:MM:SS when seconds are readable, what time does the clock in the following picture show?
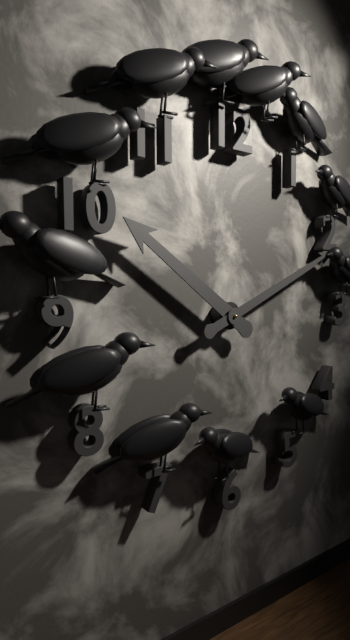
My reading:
**10:11**
